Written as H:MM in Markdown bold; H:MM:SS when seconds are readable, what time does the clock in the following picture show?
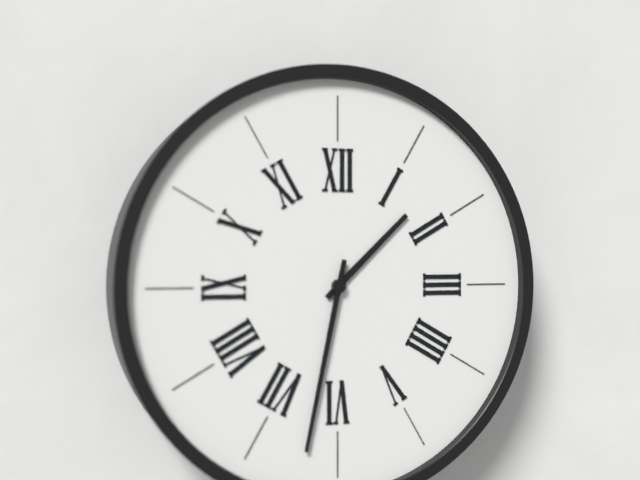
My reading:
**1:32**
